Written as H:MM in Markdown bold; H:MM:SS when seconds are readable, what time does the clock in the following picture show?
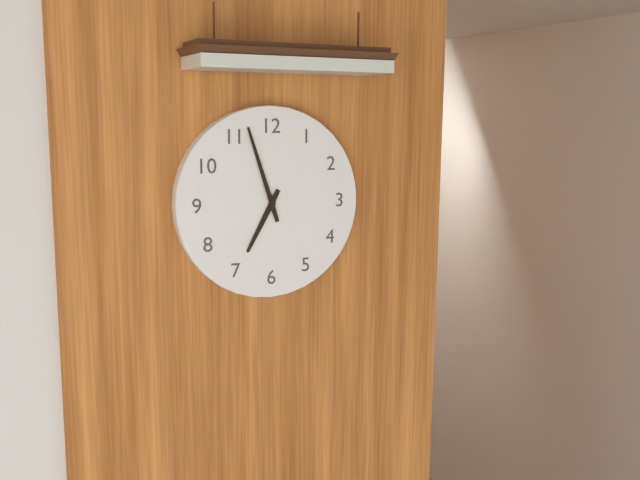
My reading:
**6:57**
